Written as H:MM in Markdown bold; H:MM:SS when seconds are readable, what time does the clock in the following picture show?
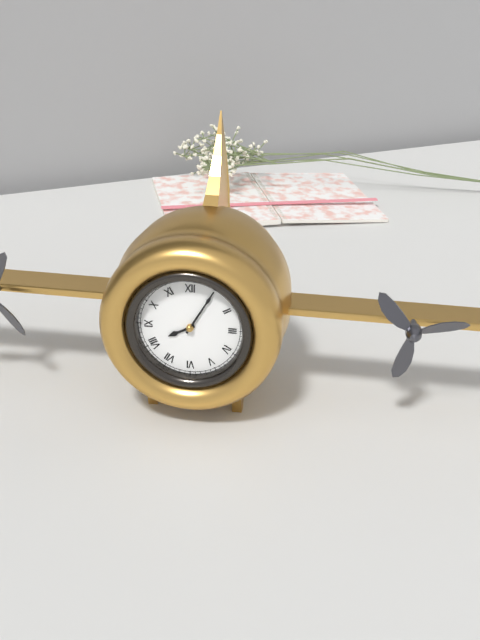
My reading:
**8:05**
